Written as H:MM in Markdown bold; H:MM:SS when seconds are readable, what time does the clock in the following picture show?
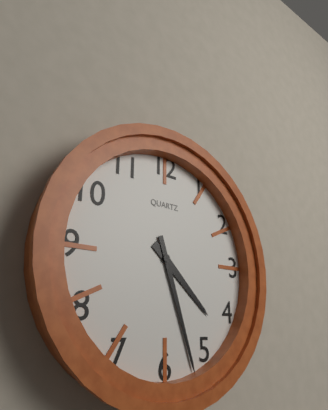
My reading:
**4:27**
